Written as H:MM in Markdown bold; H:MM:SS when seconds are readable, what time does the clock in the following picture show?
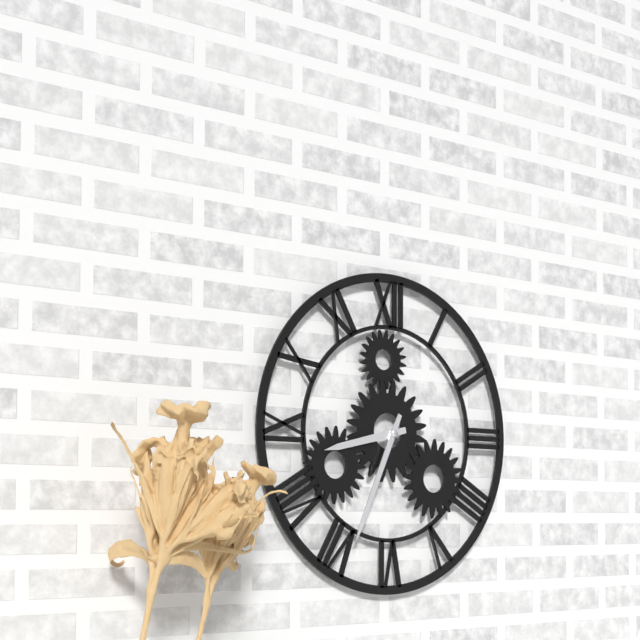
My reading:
**8:34**
